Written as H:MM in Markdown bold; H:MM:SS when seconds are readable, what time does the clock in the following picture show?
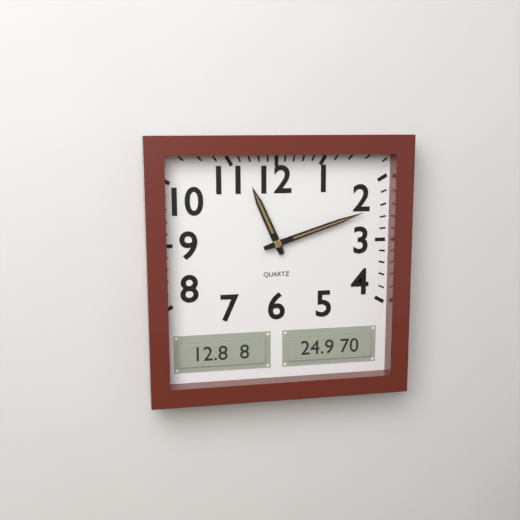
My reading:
**11:12**
